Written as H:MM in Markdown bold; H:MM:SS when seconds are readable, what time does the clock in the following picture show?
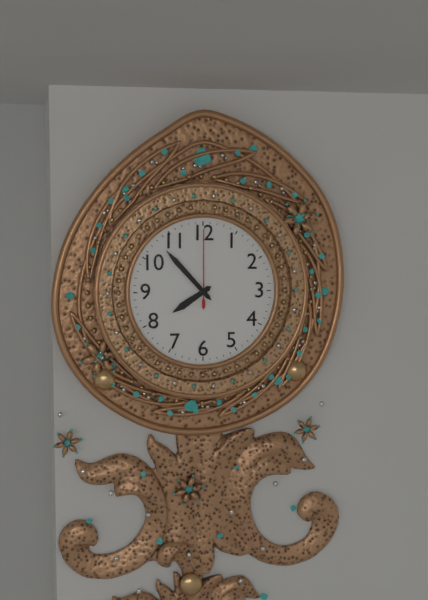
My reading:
**7:53:00**
